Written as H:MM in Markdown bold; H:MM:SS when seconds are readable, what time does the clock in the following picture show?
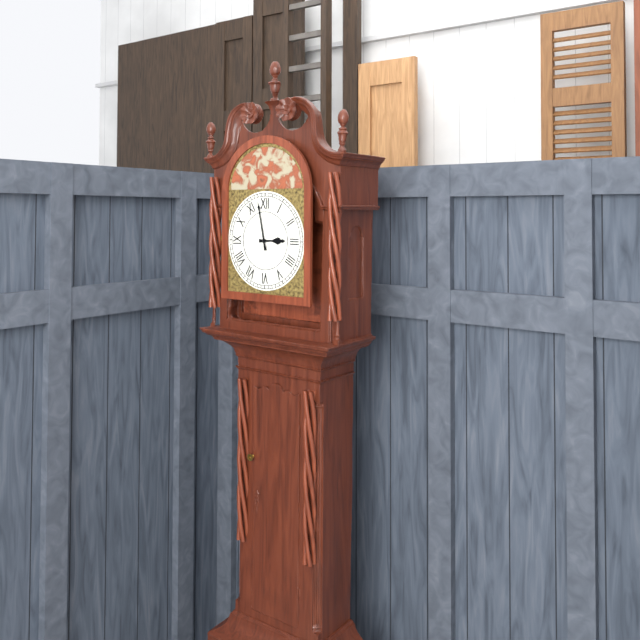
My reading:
**2:58**
